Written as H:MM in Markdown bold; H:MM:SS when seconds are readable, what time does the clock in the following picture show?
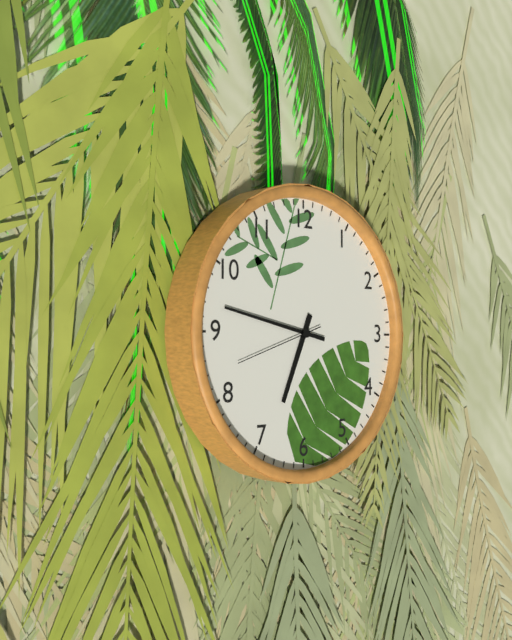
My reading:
**6:47:42**
